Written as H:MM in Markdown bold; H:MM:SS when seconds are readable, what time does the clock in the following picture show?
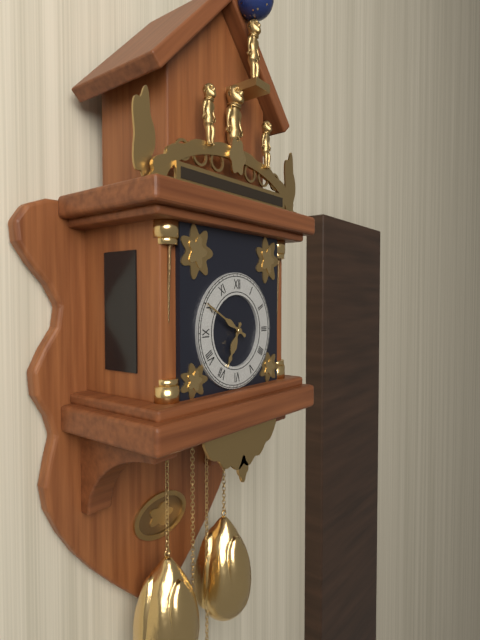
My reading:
**6:50**
